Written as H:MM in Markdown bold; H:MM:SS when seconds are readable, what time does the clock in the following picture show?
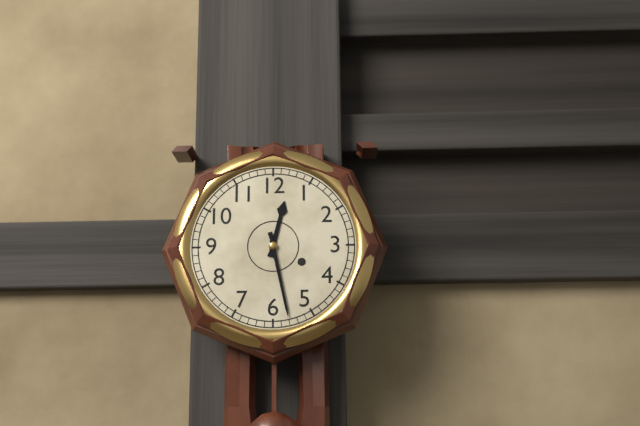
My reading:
**12:28**
